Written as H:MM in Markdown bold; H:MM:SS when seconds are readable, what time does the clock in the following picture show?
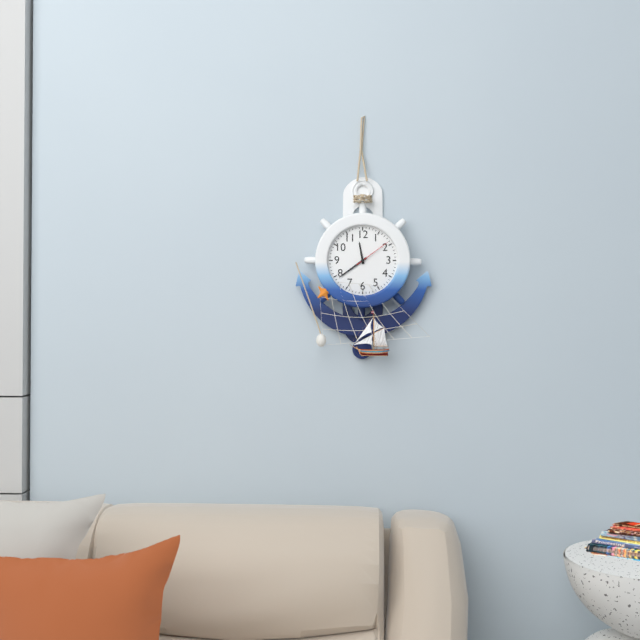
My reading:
**11:39**
